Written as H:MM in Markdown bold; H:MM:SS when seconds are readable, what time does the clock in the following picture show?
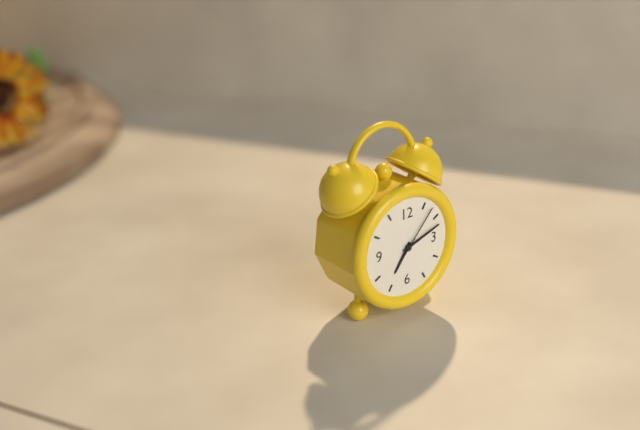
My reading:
**7:12:07**
